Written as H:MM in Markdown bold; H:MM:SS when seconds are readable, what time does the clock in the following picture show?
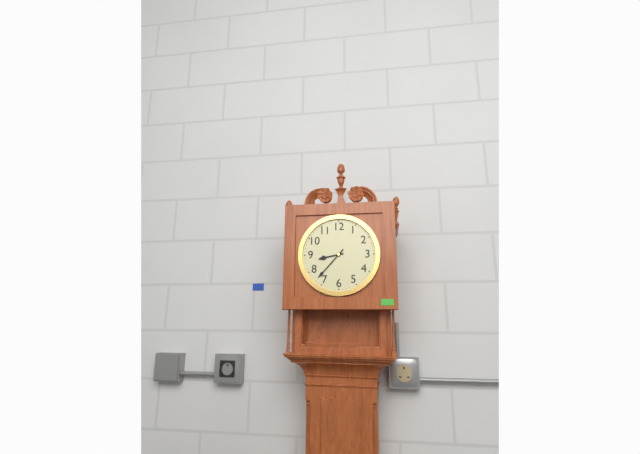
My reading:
**8:37**
